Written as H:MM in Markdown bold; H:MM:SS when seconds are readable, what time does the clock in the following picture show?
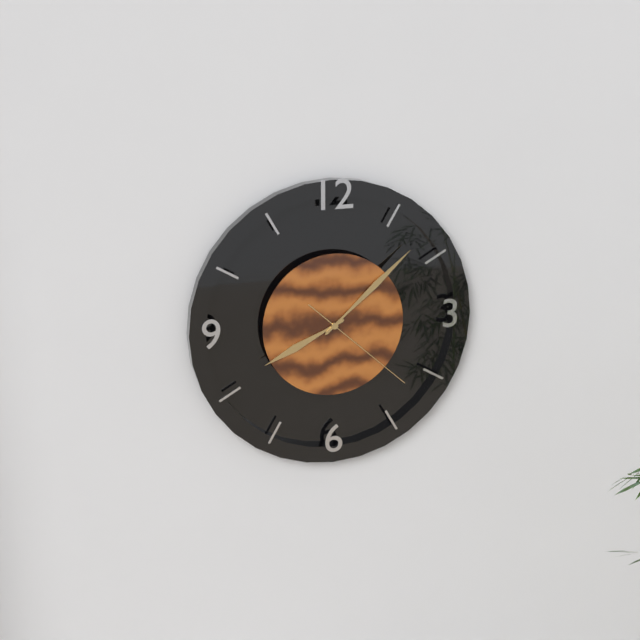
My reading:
**8:08:22**
